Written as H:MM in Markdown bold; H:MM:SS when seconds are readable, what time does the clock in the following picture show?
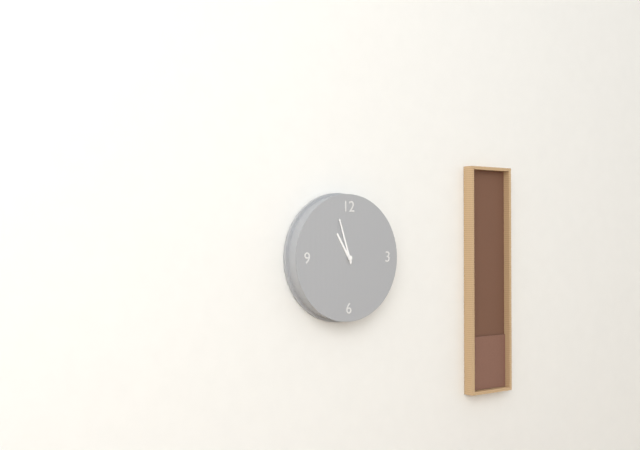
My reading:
**10:57**
